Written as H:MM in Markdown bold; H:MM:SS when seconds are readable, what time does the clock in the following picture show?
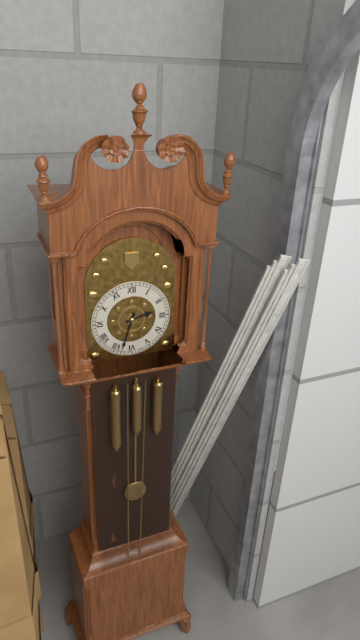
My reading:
**2:33**
